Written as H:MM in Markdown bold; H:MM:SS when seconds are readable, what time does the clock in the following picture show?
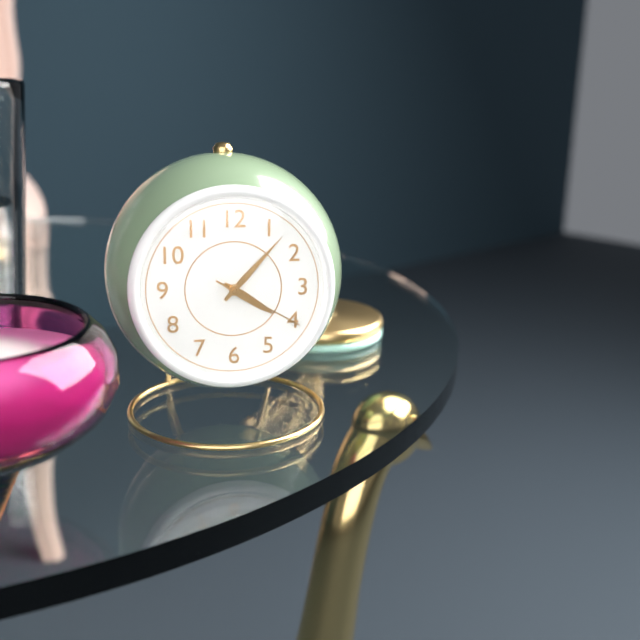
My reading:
**4:07:20**
